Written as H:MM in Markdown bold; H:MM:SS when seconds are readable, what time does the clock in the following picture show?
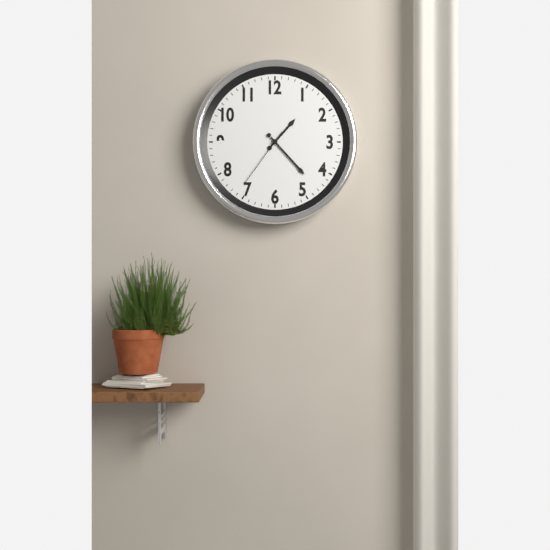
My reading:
**1:23:36**
